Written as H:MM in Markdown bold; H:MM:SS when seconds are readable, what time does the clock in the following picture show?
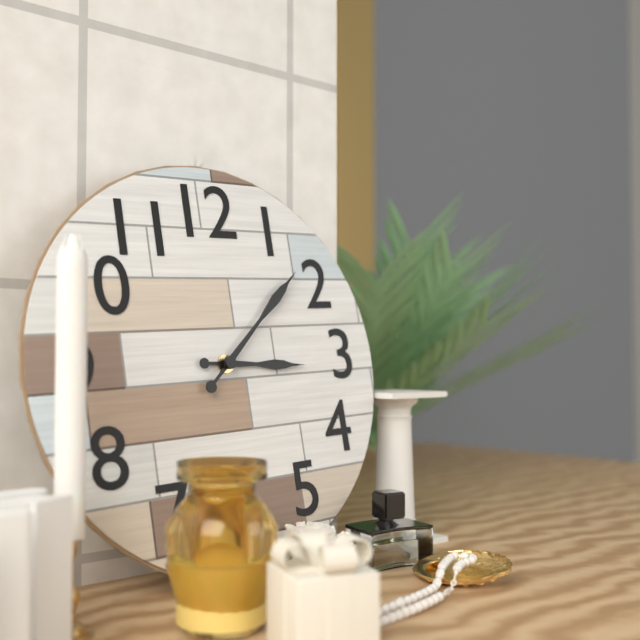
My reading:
**3:08**
